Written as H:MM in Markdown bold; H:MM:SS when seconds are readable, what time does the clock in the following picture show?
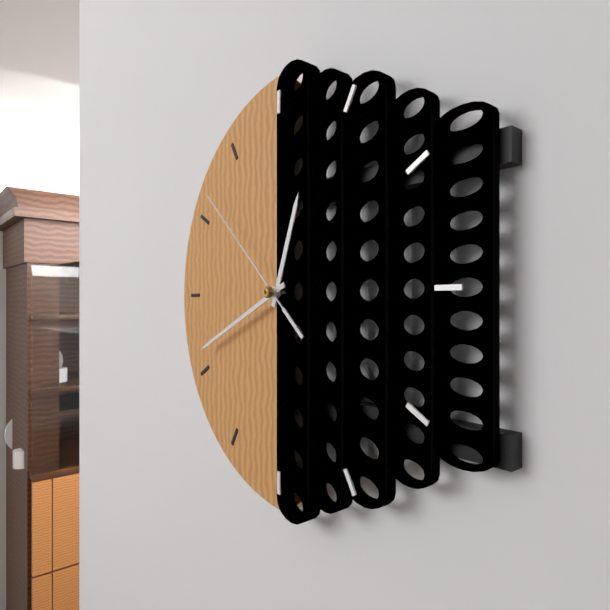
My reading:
**12:41:52**
